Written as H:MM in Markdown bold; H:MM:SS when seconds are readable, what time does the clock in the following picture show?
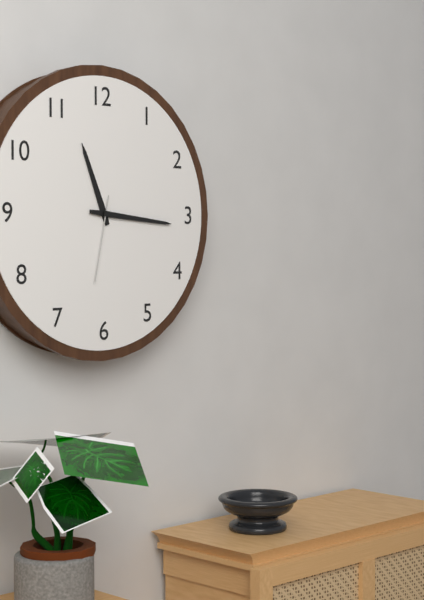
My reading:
**11:16:32**
